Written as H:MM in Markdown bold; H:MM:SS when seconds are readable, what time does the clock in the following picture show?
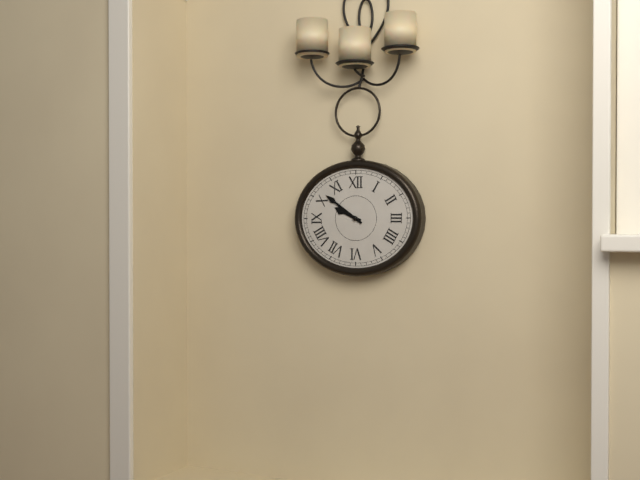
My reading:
**9:51**
